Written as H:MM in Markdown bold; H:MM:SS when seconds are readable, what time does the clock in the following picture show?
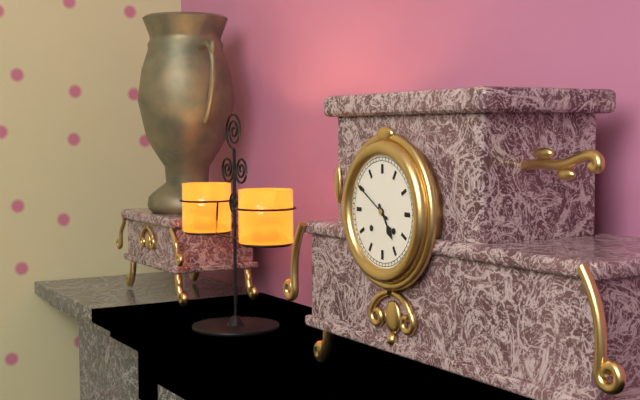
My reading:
**4:50**
